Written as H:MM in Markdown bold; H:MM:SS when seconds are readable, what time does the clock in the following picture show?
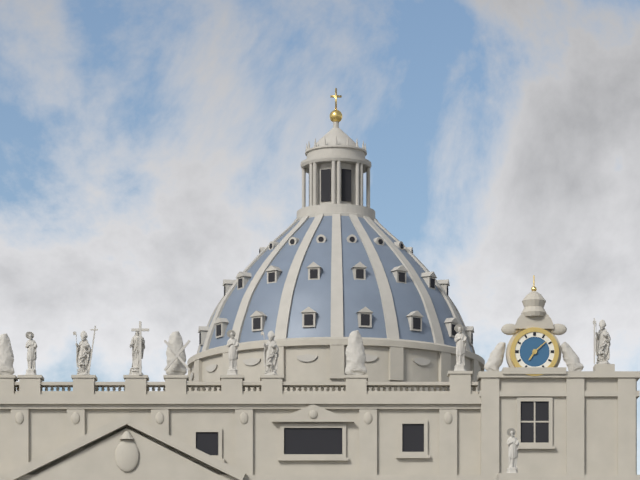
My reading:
**7:08**
